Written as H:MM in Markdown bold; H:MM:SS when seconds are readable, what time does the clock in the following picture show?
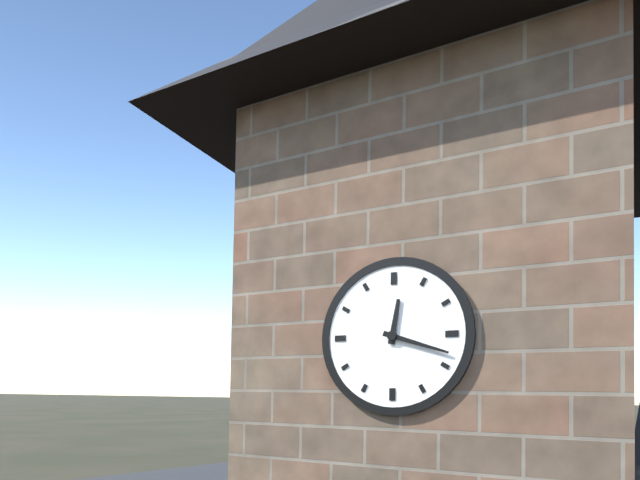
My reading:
**12:18**
